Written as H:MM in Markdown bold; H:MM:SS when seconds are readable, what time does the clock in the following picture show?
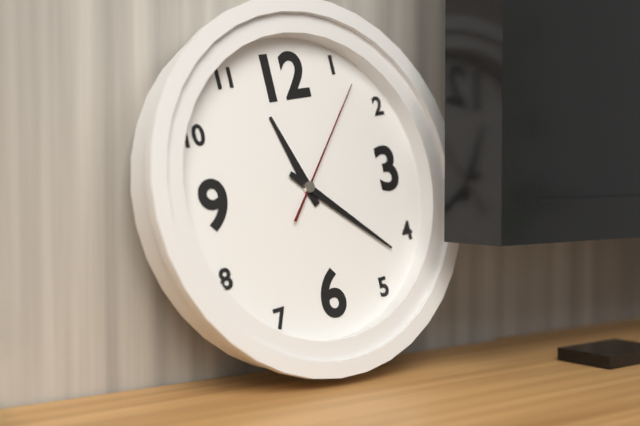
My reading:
**11:22:07**
